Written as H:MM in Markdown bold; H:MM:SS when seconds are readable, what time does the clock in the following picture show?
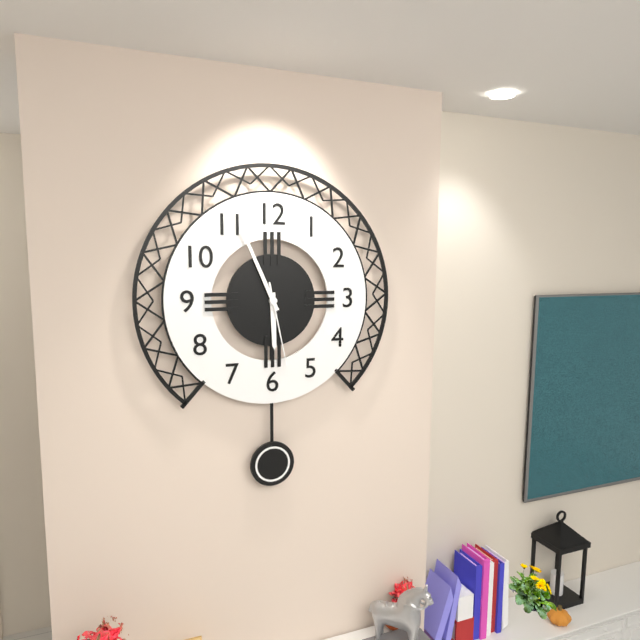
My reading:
**5:56:28**
